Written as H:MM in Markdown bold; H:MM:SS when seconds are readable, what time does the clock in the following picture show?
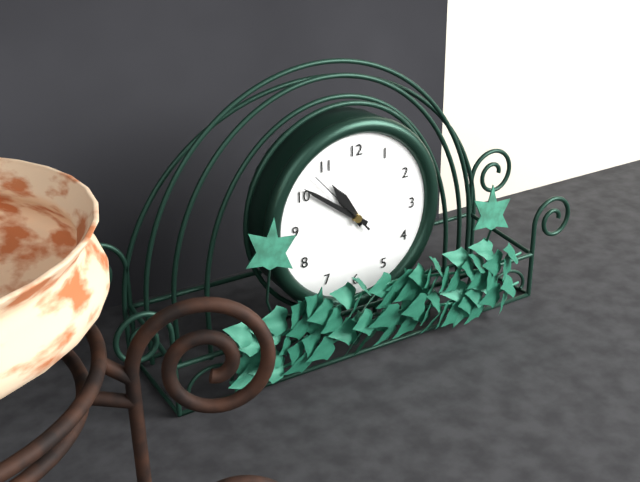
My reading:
**10:51:53**
